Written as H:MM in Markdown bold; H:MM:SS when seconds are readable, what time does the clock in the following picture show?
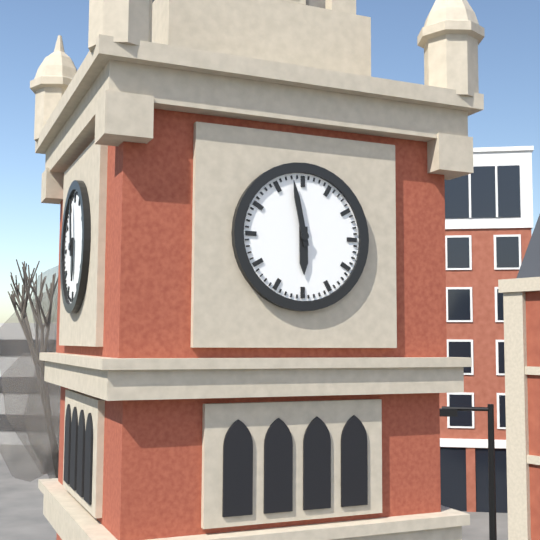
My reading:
**5:58**
